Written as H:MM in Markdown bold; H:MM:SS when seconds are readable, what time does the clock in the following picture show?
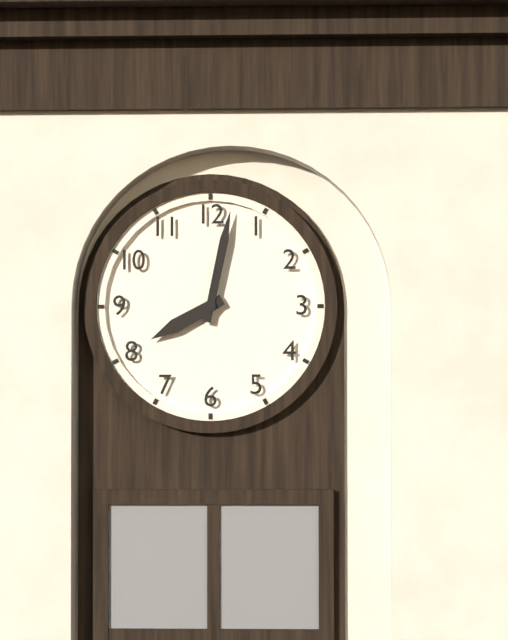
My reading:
**8:02**
